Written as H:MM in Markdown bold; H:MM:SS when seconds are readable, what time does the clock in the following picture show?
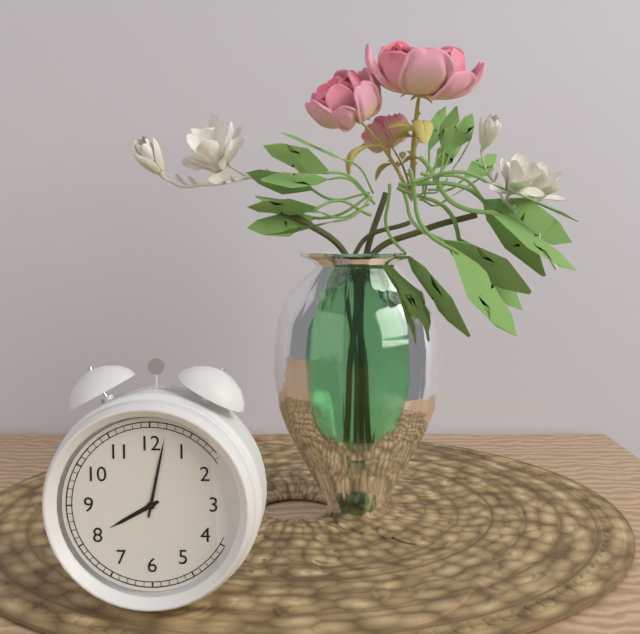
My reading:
**8:02**
